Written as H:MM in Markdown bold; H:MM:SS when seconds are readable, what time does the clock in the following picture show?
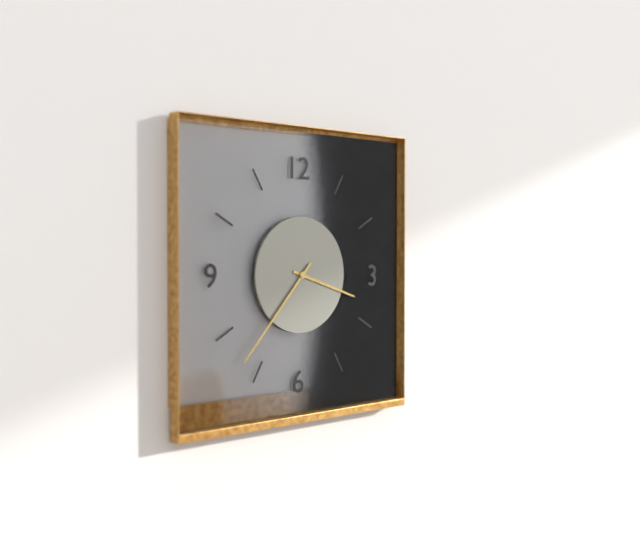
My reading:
**3:37**
